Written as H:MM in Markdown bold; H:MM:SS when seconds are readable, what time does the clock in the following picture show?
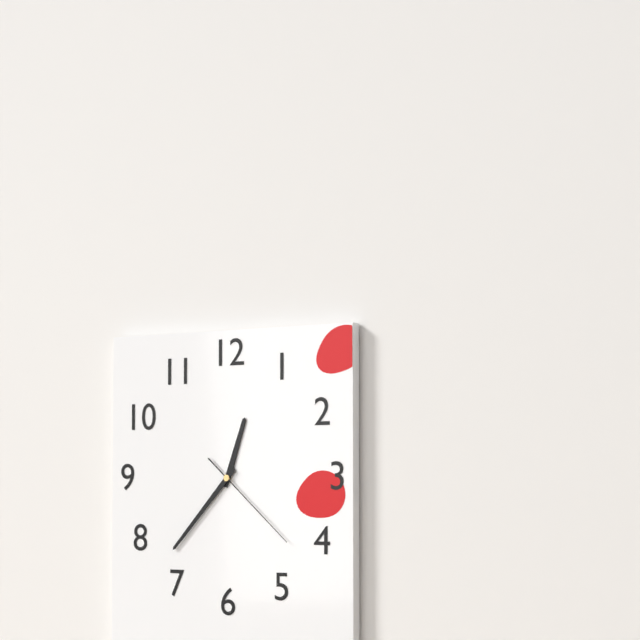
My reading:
**12:37:22**
